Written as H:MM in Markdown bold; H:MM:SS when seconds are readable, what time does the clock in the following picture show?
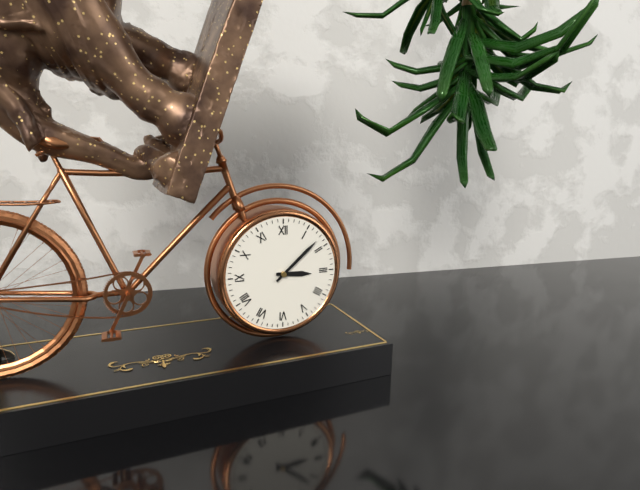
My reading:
**3:08**
